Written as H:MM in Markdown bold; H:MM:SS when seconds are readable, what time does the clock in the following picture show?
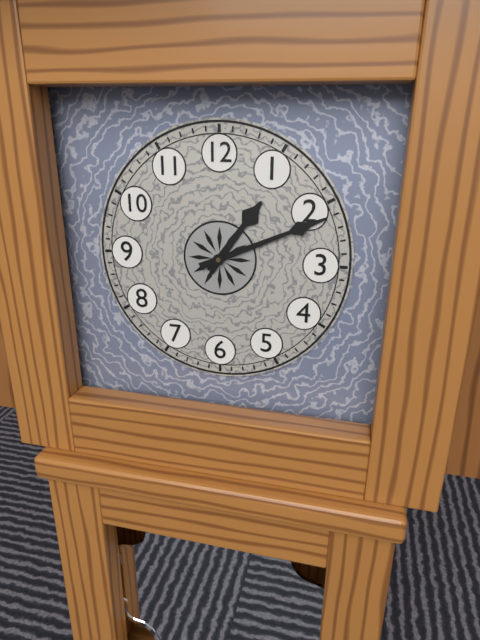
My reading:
**1:11**
